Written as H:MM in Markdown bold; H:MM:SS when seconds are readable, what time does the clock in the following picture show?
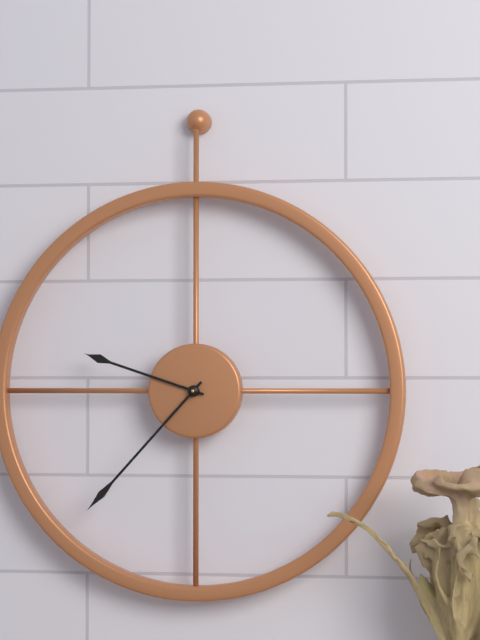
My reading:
**9:37**
